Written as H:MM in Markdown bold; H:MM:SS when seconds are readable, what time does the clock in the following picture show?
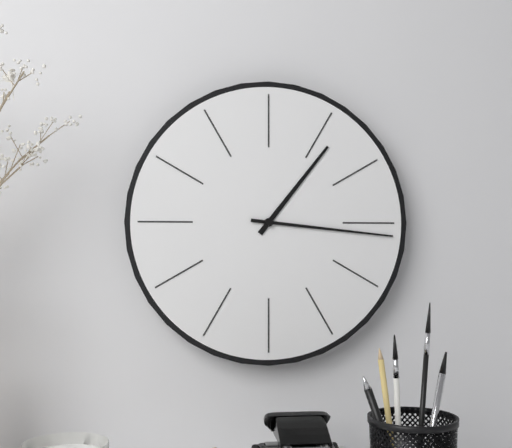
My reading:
**1:16**
